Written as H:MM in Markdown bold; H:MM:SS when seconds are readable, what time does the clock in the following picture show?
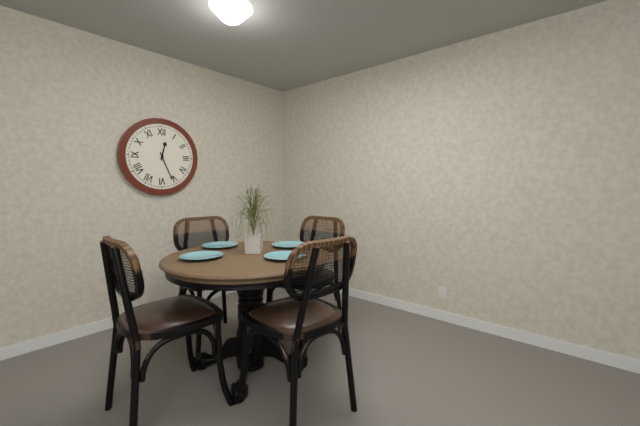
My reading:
**12:26**
